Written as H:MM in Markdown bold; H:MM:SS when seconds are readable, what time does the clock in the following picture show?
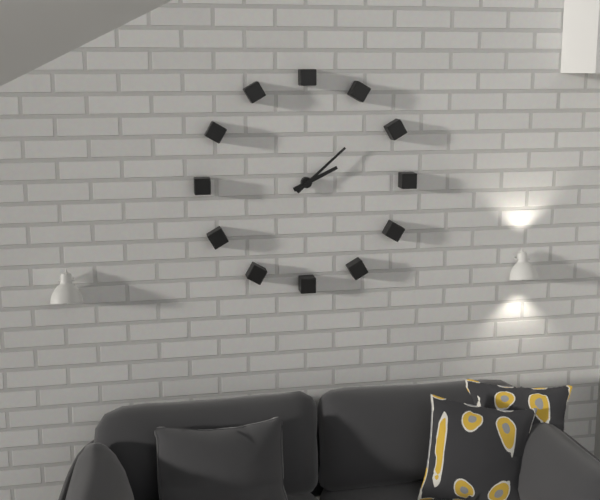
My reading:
**2:08**
